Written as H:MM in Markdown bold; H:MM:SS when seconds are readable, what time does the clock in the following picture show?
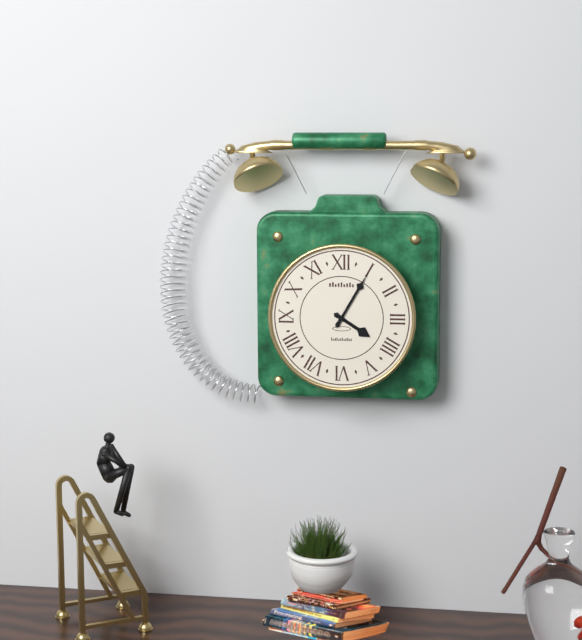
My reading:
**4:05**
